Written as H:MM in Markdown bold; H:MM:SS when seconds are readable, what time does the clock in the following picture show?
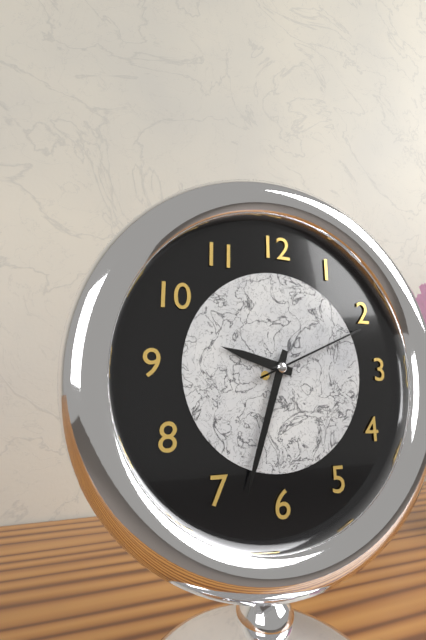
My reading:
**9:33:11**
